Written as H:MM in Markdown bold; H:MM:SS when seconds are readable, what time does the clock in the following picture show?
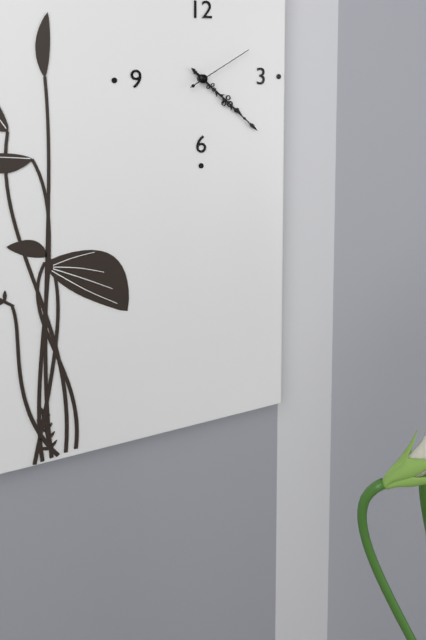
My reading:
**4:22:10**
